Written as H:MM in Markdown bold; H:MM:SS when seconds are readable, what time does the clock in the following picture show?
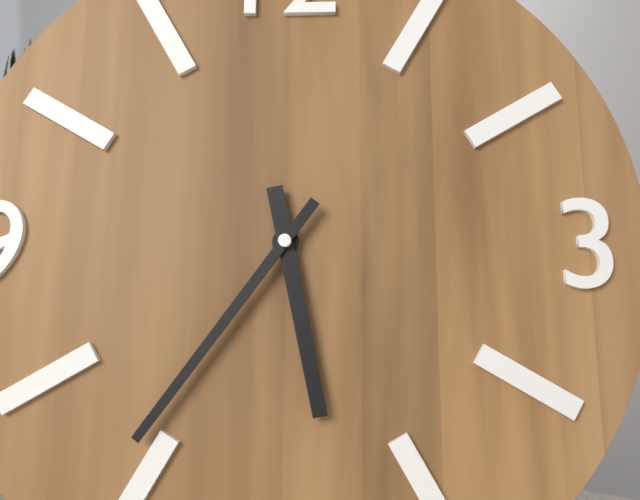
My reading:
**5:36**
